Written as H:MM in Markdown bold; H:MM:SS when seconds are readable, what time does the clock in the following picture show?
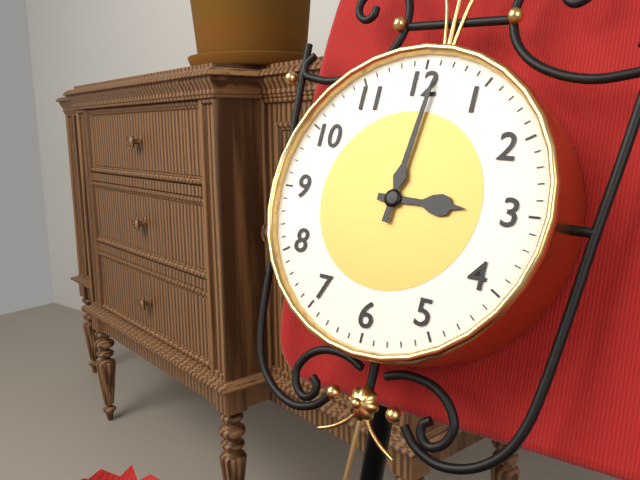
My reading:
**3:01**
